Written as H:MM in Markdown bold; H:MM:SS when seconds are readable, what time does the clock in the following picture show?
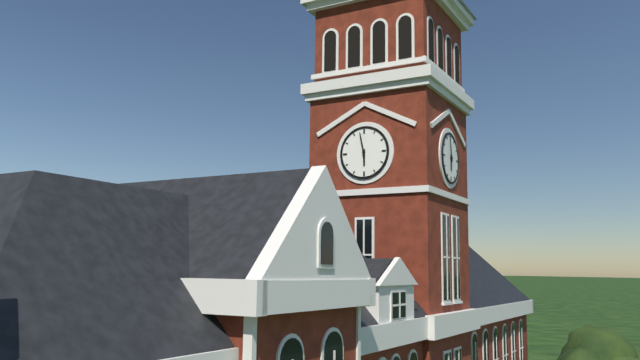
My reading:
**5:58**
